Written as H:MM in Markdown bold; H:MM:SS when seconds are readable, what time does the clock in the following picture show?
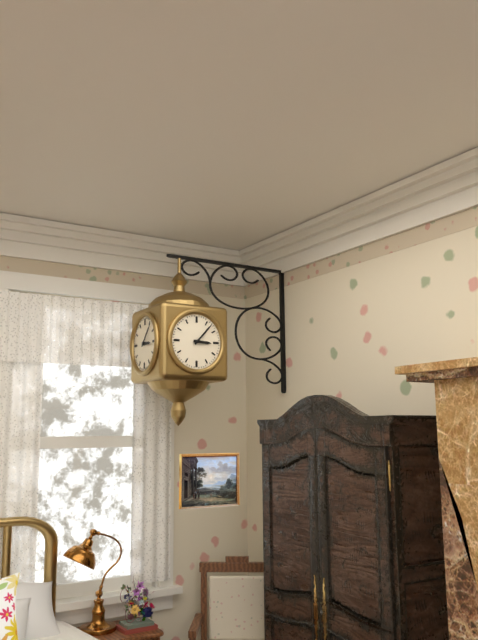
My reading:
**3:07**
